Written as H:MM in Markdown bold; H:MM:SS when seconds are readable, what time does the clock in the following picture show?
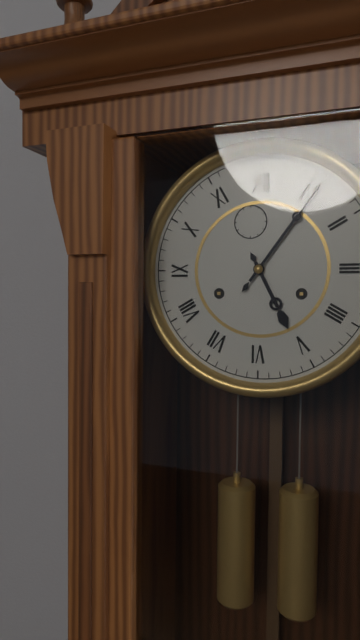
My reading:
**5:06**
